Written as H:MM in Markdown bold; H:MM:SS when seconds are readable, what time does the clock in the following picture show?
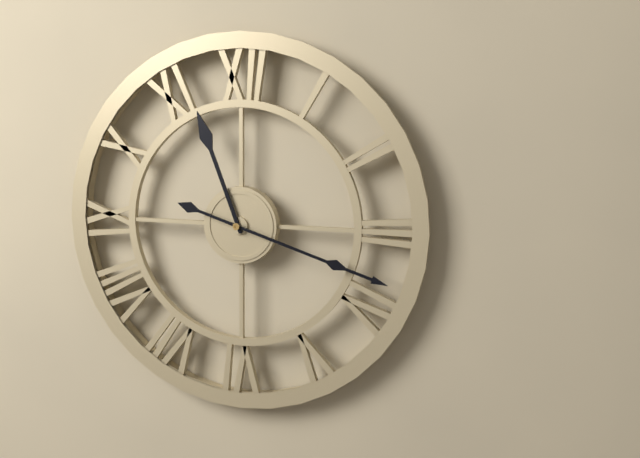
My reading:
**11:18**
